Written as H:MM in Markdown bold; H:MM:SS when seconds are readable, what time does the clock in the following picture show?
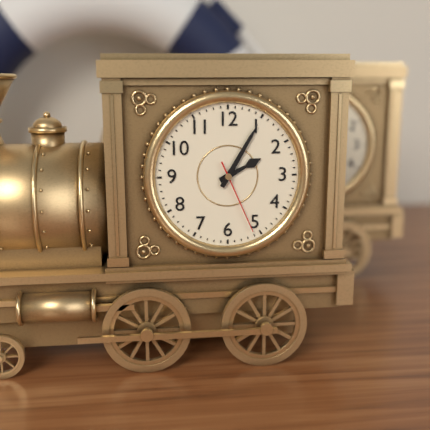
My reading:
**2:05:26**
